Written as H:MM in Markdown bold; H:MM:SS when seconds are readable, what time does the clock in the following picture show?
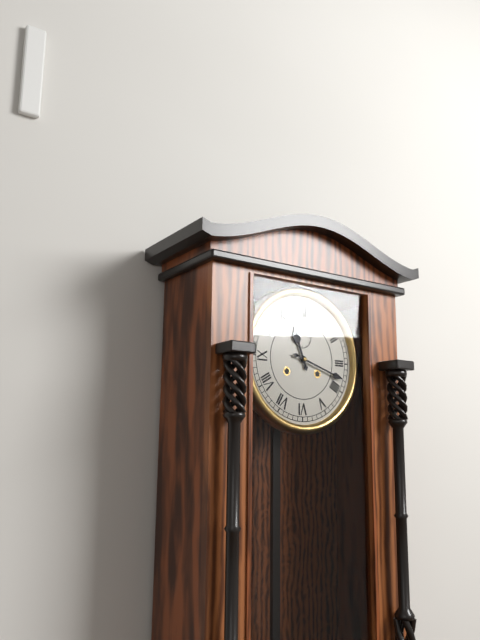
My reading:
**11:18**
